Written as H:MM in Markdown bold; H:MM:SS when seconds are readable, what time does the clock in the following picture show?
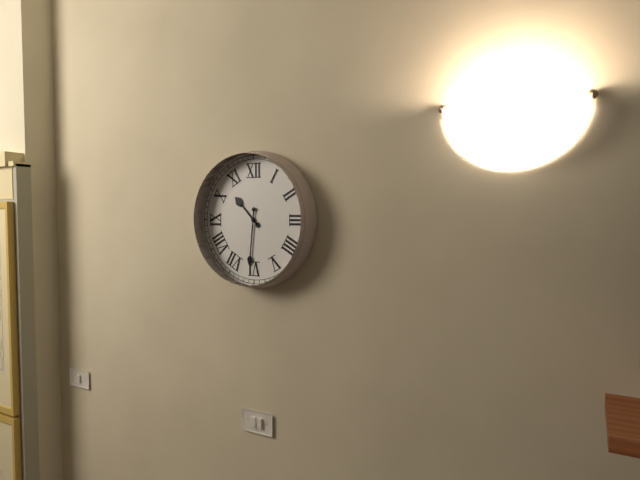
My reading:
**10:31**
